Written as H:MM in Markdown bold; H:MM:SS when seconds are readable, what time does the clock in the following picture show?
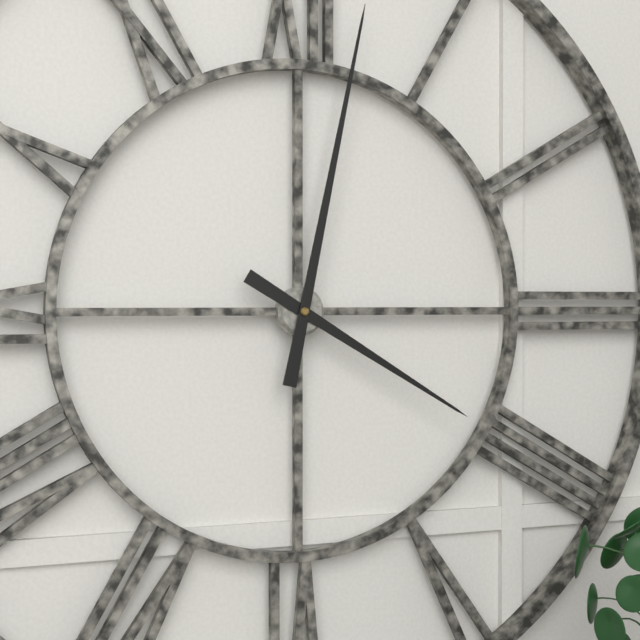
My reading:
**4:02**
